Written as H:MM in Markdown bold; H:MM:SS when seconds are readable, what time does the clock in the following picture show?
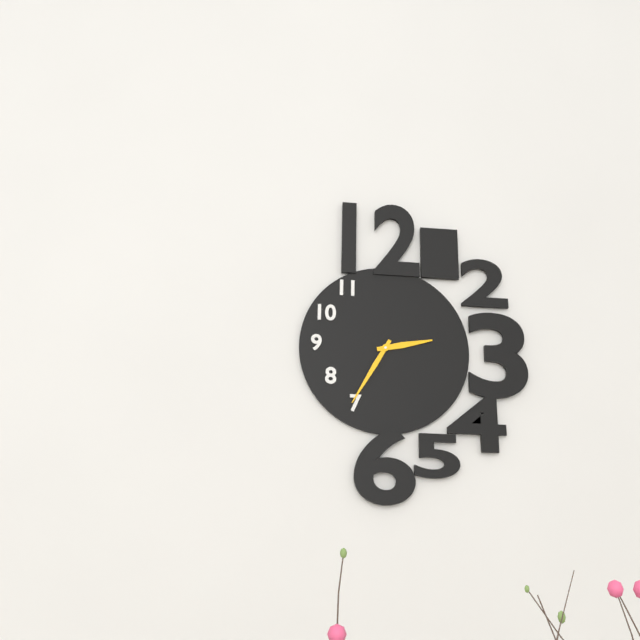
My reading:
**2:35**
